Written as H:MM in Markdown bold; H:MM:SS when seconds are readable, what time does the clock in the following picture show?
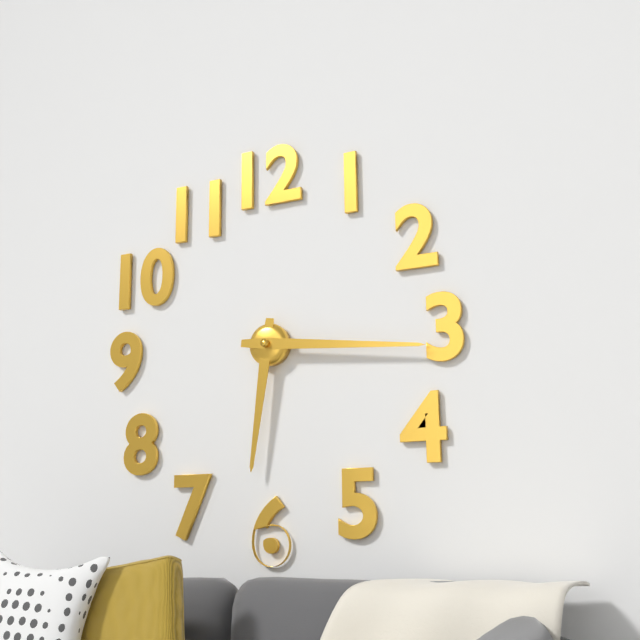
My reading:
**6:16**
